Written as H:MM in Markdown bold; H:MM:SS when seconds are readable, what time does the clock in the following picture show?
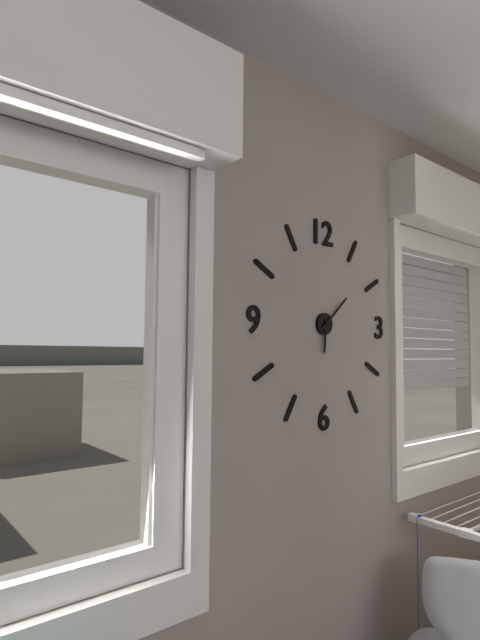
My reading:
**6:08**
